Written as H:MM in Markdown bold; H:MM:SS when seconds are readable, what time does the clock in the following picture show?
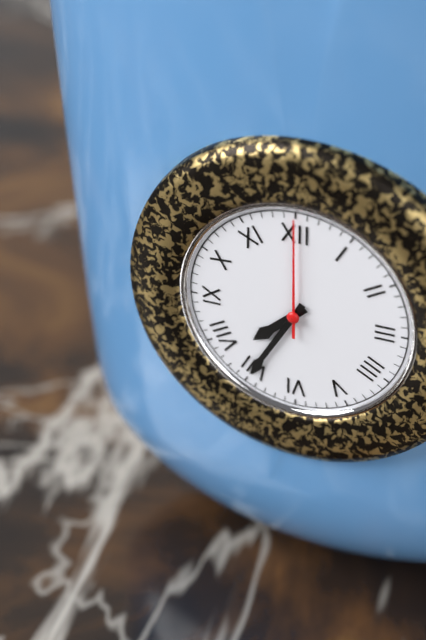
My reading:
**7:35:00**
